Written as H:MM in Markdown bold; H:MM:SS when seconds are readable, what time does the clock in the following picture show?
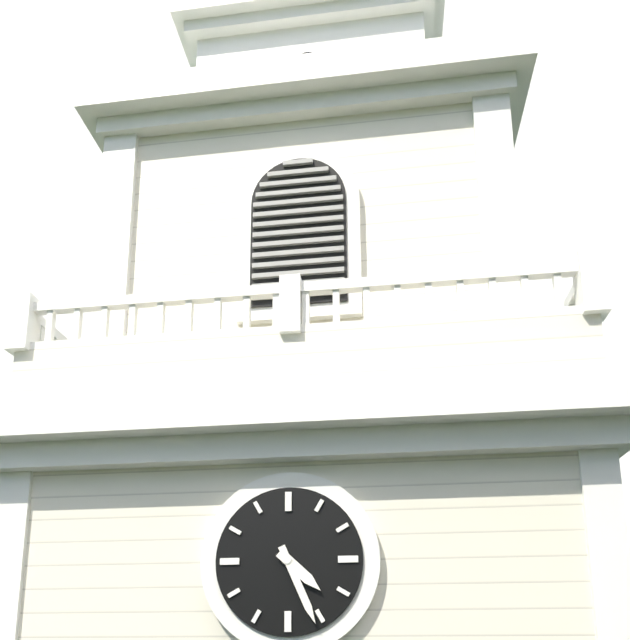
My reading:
**4:26**
